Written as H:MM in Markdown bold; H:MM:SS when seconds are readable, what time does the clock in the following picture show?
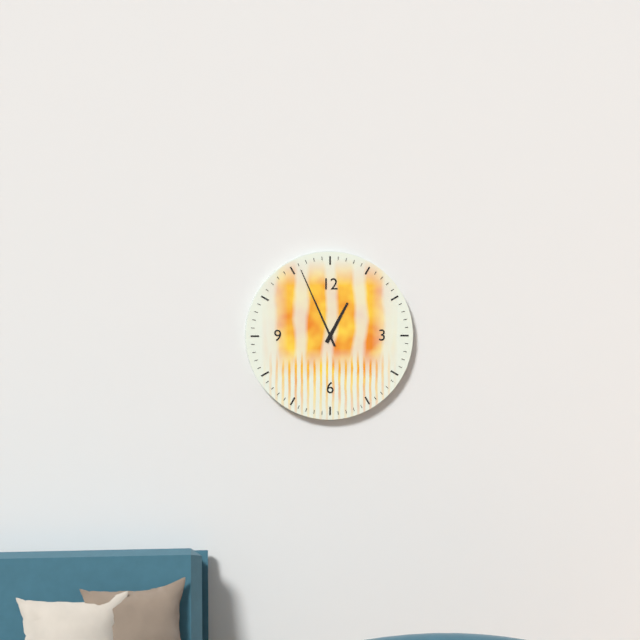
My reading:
**12:56**
